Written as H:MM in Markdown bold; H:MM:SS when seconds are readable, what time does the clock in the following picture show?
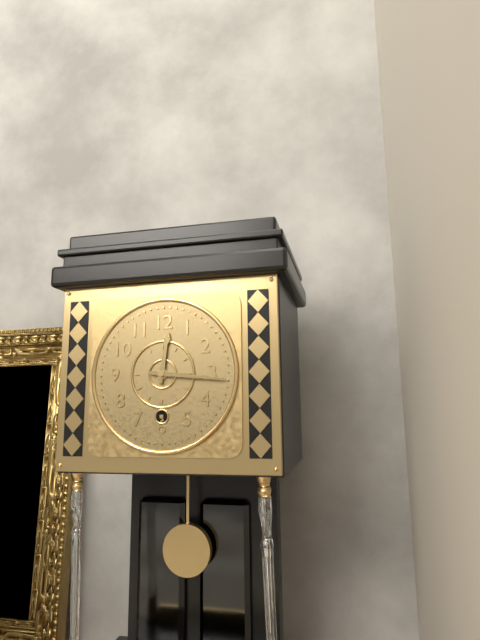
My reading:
**12:16**
